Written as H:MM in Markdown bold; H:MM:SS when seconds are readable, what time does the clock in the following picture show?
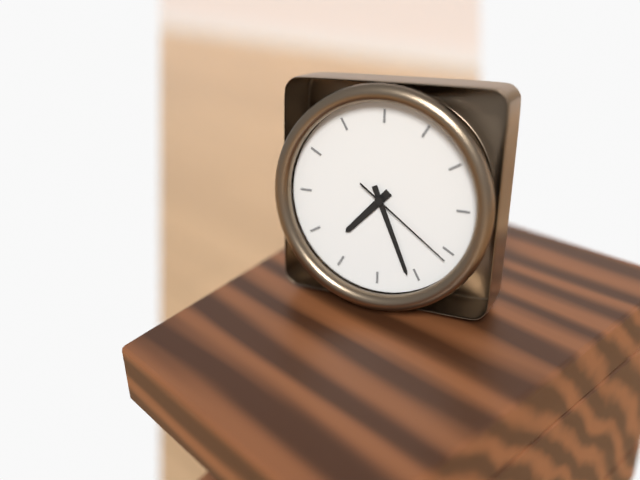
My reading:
**7:26:21**
